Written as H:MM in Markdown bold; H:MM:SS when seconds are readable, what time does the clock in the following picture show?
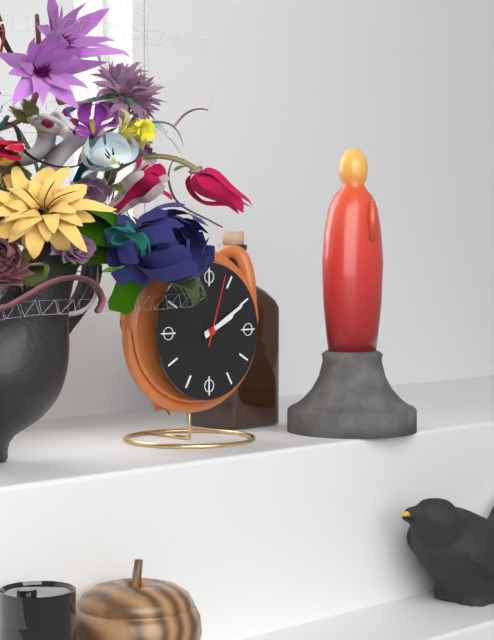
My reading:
**2:10:03**
